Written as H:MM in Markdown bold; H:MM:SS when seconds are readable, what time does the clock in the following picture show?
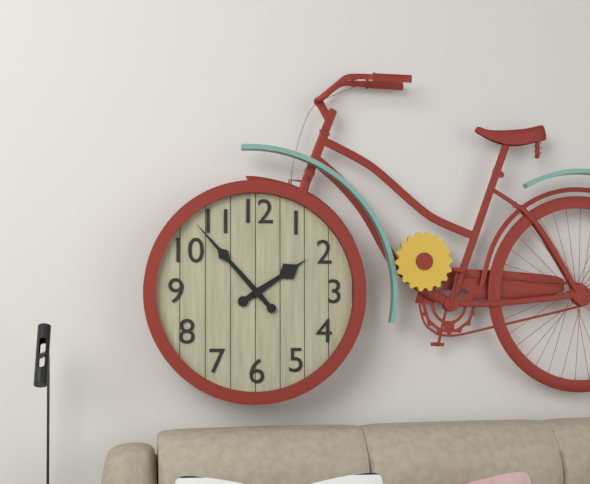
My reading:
**1:53**
